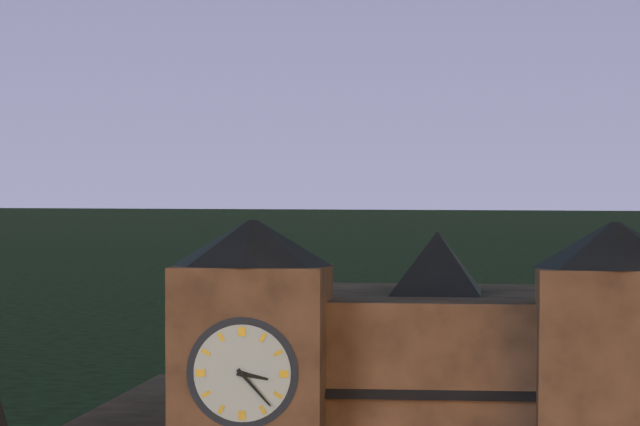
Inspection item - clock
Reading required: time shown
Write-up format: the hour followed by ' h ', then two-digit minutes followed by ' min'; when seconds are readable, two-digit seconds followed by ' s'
3 h 23 min
